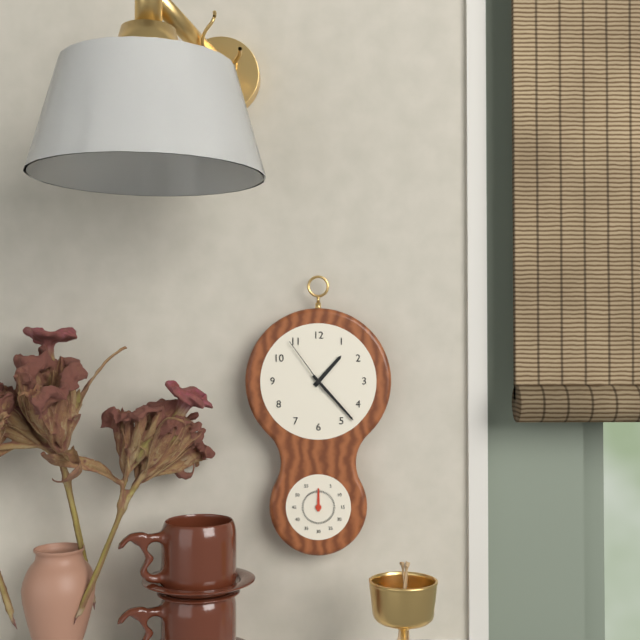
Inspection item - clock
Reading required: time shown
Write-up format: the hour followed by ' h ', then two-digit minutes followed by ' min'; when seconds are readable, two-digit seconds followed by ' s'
1 h 23 min 54 s
